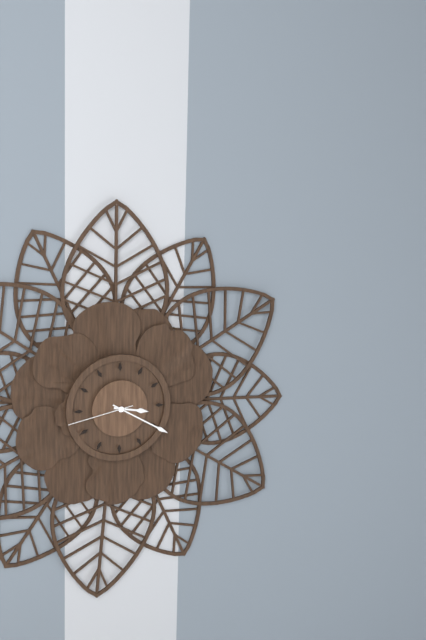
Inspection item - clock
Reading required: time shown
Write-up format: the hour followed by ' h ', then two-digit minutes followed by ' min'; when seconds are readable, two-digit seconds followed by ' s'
3 h 20 min 43 s
